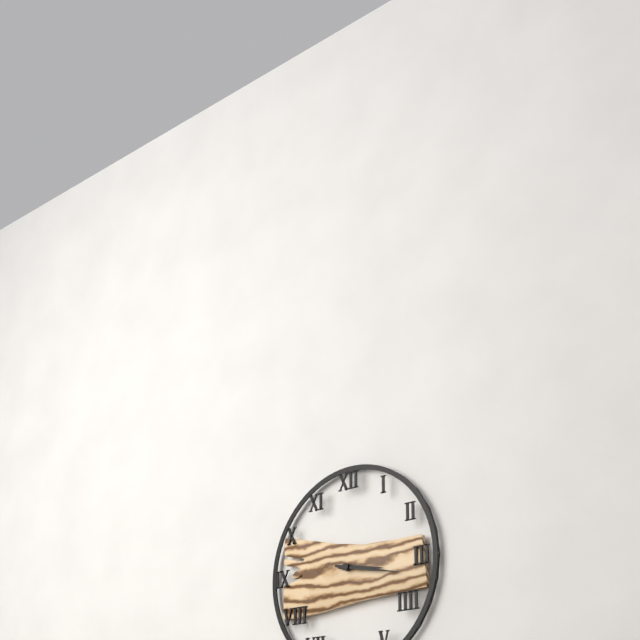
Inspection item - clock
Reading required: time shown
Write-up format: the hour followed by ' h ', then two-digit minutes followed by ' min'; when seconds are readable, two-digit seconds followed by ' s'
3 h 17 min
